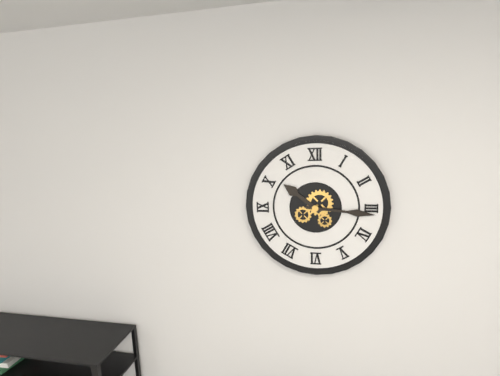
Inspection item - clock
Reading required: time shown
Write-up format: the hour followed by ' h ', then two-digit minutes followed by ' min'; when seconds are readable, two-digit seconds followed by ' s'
10 h 16 min
